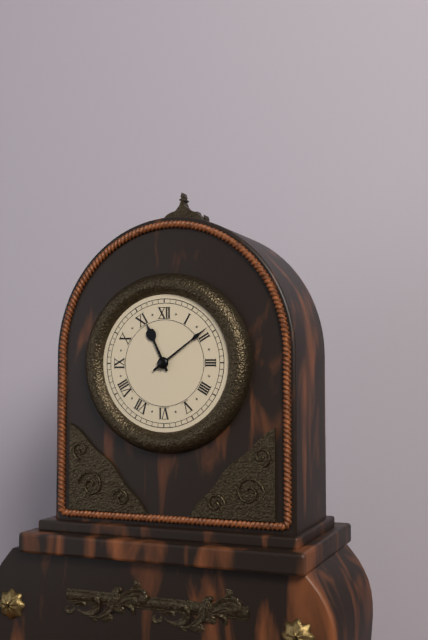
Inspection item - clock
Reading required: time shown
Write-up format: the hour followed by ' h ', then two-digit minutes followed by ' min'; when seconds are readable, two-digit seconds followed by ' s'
11 h 09 min
